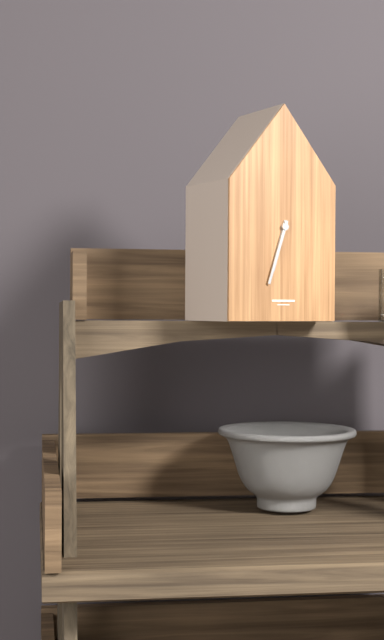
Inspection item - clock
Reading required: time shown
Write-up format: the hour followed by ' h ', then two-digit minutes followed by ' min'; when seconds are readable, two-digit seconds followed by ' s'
6 h 33 min
